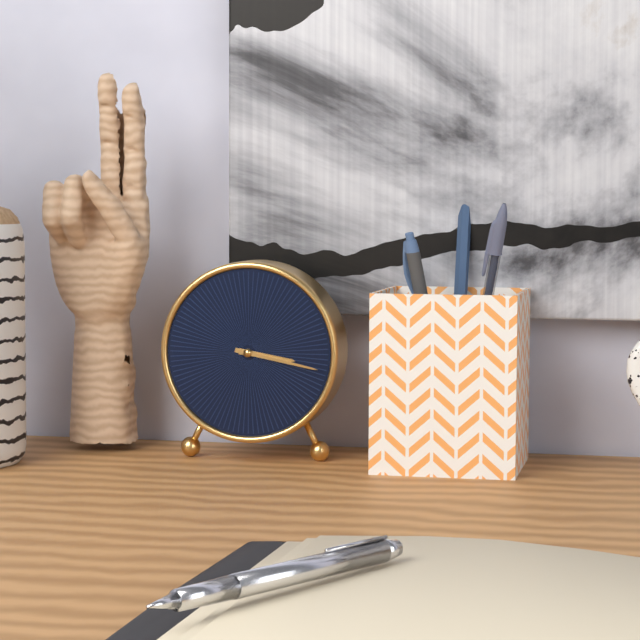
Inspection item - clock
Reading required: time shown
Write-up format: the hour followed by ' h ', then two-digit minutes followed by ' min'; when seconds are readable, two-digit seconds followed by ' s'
3 h 17 min
